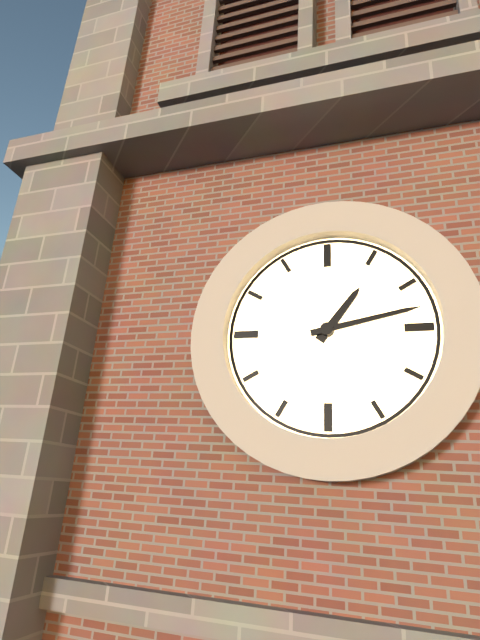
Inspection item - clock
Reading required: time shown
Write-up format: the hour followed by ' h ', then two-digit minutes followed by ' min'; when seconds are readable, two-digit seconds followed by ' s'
1 h 13 min
